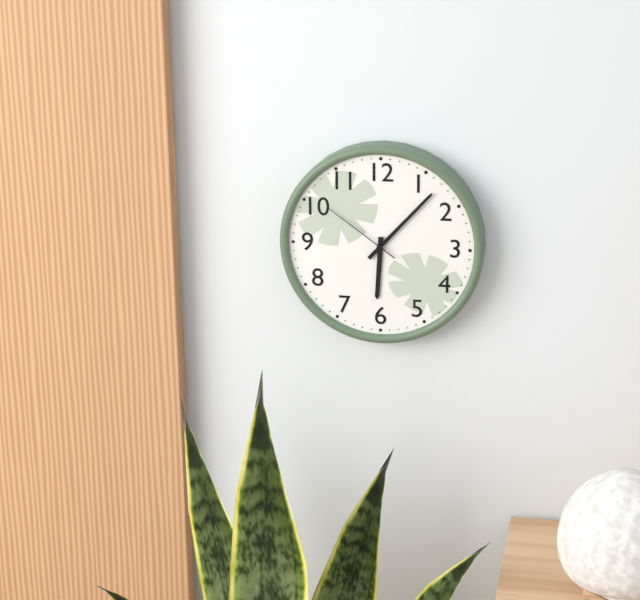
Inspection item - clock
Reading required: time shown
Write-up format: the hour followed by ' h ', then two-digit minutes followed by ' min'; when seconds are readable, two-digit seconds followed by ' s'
6 h 07 min 51 s
